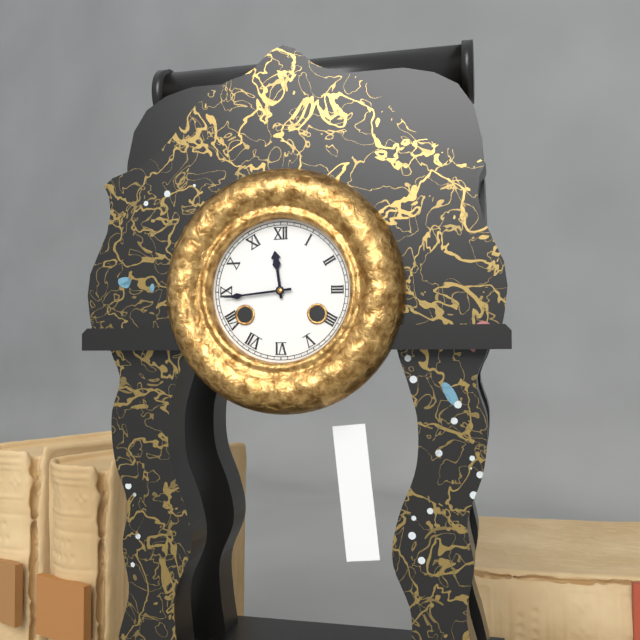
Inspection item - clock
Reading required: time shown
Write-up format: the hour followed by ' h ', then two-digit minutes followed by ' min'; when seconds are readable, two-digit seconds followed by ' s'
11 h 44 min
